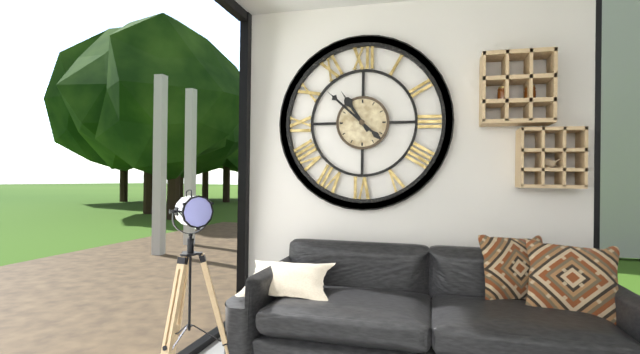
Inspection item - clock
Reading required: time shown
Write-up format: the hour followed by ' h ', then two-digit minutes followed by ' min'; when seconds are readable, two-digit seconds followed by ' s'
10 h 52 min
